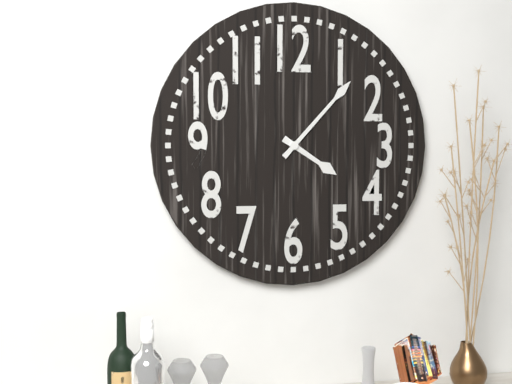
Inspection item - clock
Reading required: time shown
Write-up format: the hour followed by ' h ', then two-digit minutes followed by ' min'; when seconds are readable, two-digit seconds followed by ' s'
4 h 07 min
